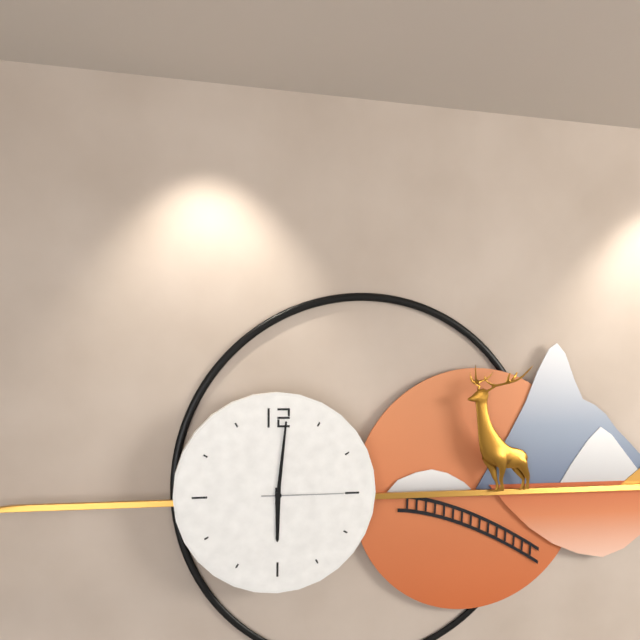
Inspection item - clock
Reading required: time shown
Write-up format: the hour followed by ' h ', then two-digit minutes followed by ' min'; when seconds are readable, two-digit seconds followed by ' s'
6 h 01 min 15 s
